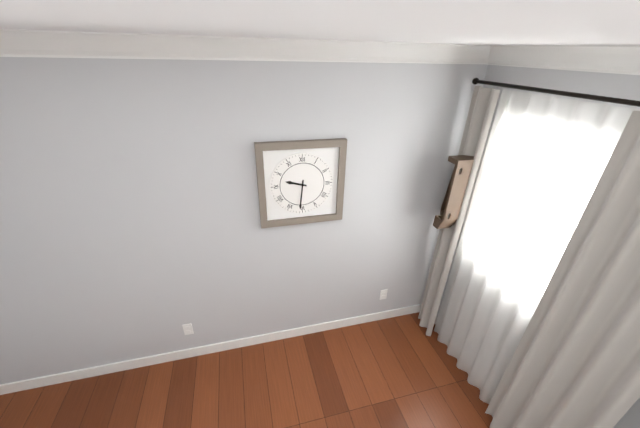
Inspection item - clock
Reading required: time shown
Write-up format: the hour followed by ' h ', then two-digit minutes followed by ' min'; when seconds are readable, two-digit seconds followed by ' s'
9 h 31 min
